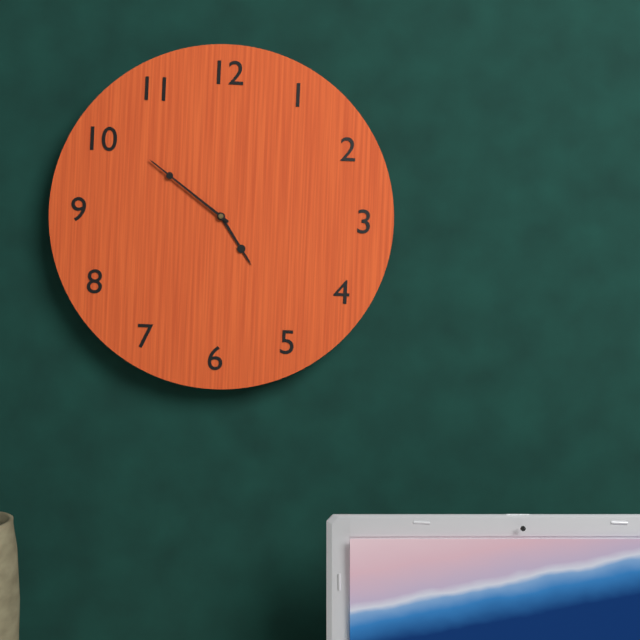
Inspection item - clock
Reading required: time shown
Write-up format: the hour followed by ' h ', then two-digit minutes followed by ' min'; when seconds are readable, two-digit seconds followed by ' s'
4 h 51 min
